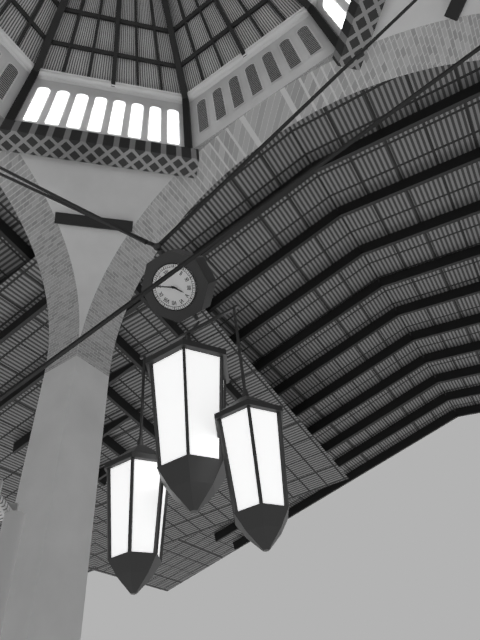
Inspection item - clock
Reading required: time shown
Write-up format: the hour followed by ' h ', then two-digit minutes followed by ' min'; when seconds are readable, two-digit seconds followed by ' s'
4 h 50 min
